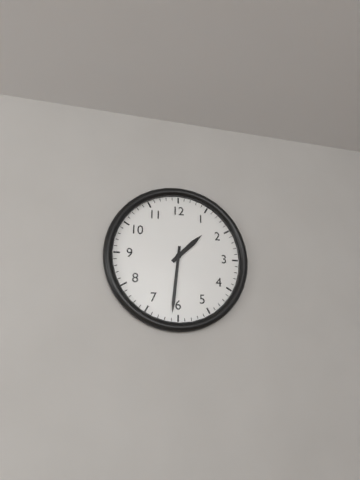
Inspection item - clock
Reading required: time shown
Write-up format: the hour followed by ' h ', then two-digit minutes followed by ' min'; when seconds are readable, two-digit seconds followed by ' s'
1 h 31 min
